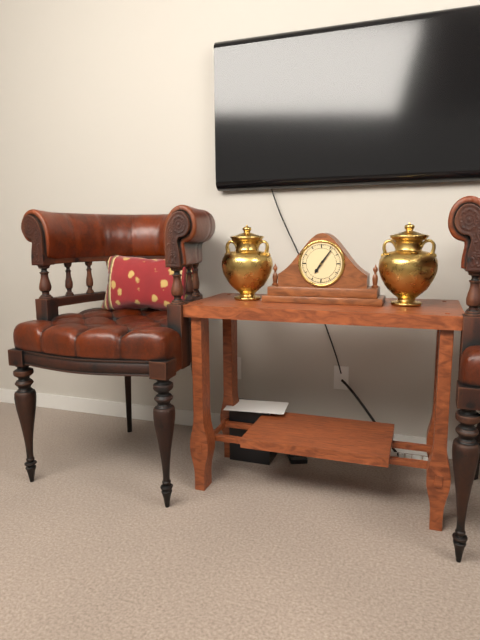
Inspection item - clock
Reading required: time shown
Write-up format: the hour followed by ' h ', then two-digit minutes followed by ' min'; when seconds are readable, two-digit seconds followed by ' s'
7 h 06 min
